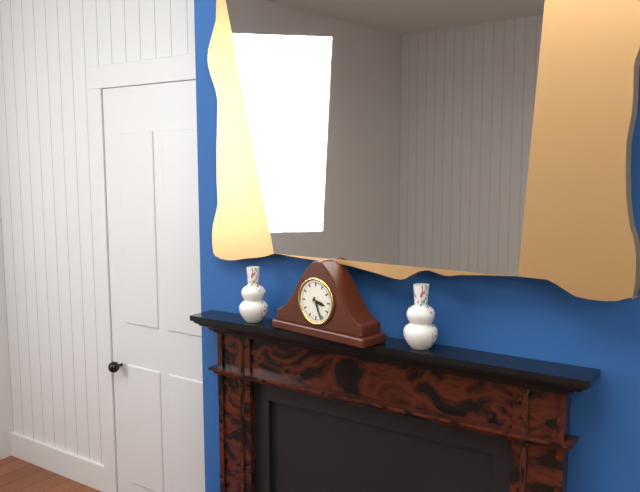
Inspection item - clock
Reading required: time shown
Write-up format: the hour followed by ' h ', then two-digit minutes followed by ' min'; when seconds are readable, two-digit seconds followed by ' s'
3 h 26 min
